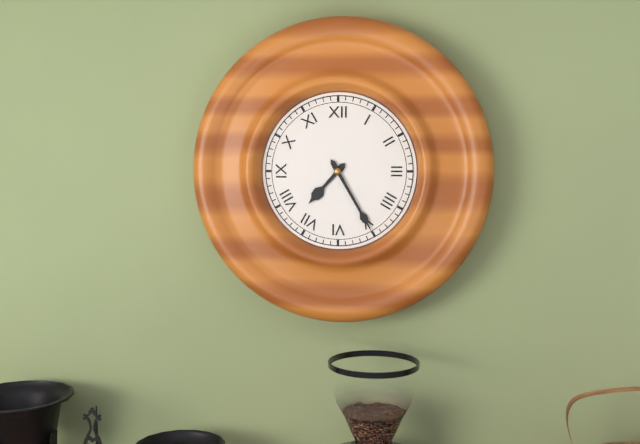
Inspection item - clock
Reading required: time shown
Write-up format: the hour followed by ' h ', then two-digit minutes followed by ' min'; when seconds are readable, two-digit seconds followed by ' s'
7 h 25 min
